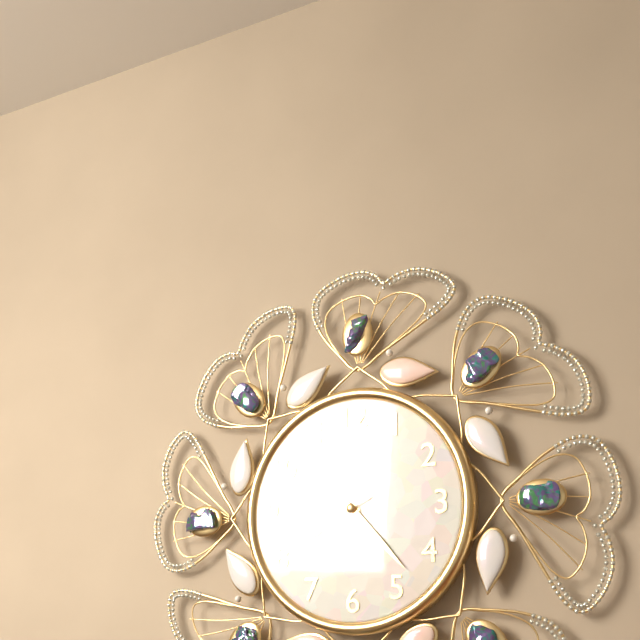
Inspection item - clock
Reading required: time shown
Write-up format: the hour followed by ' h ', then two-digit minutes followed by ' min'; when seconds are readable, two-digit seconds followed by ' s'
9 h 23 min 40 s
